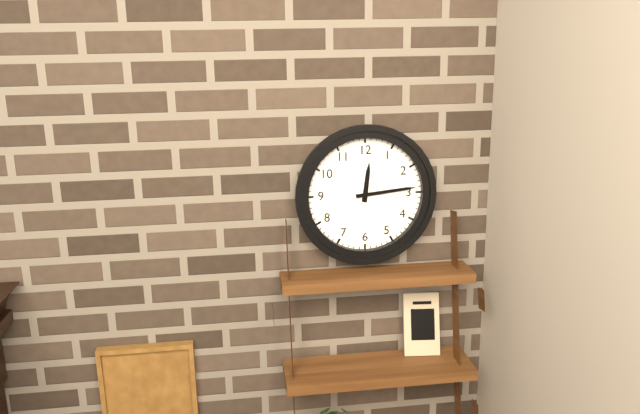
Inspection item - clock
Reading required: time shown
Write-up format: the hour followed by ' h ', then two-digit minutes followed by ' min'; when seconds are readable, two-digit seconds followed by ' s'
12 h 14 min
